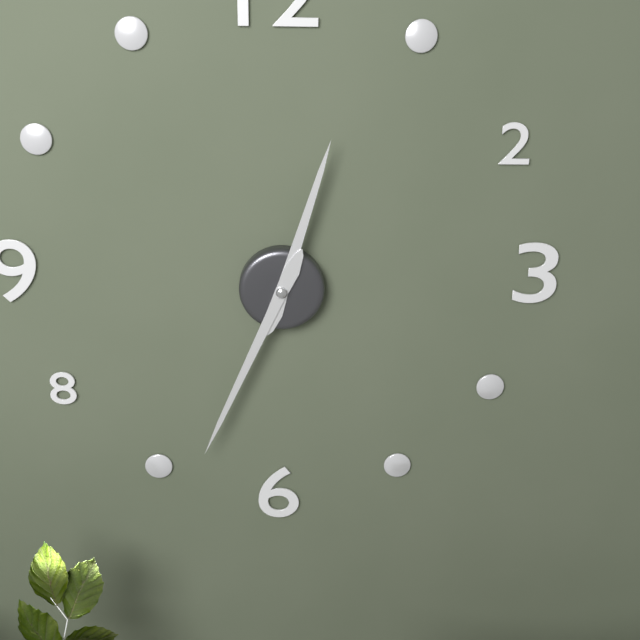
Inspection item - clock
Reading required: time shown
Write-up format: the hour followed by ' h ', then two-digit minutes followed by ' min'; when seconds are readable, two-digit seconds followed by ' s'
12 h 34 min
